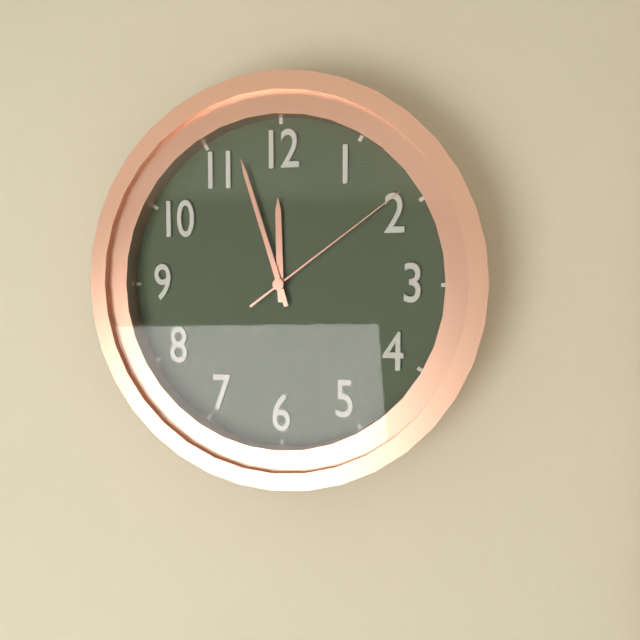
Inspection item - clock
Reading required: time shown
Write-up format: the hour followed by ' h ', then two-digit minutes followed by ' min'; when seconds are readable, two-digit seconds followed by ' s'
11 h 57 min 09 s
